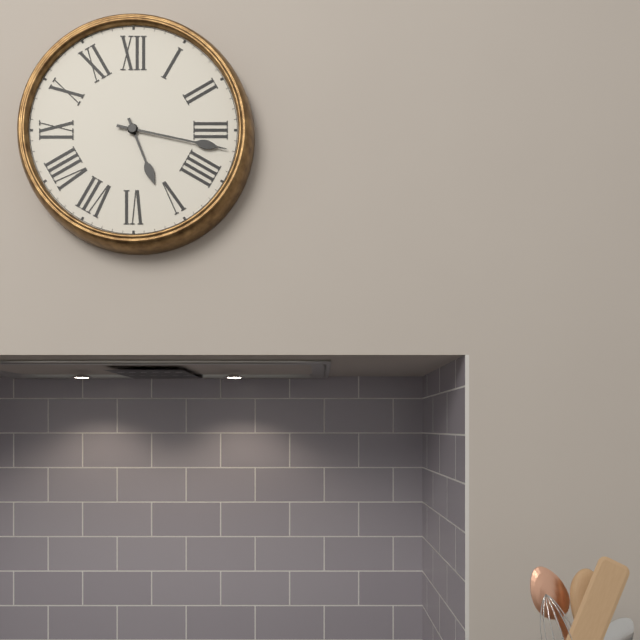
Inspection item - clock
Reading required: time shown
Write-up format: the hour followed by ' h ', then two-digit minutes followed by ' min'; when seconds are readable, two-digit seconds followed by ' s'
5 h 17 min
